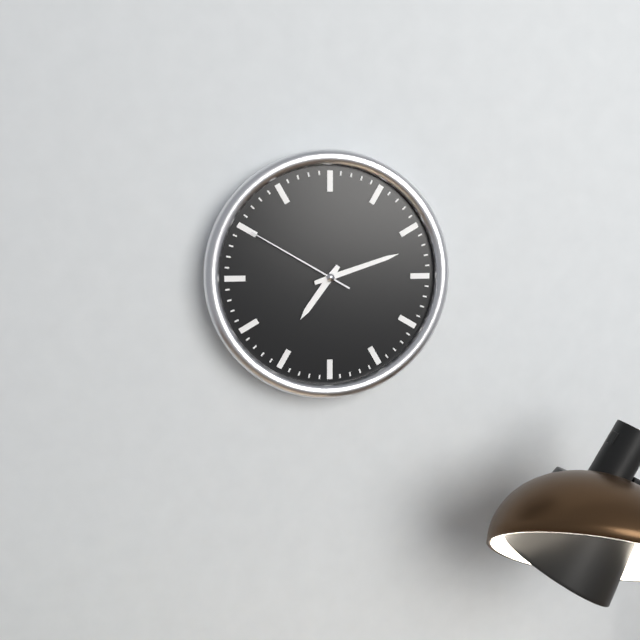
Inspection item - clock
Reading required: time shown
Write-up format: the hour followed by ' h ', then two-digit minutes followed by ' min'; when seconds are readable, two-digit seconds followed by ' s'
7 h 12 min 50 s
